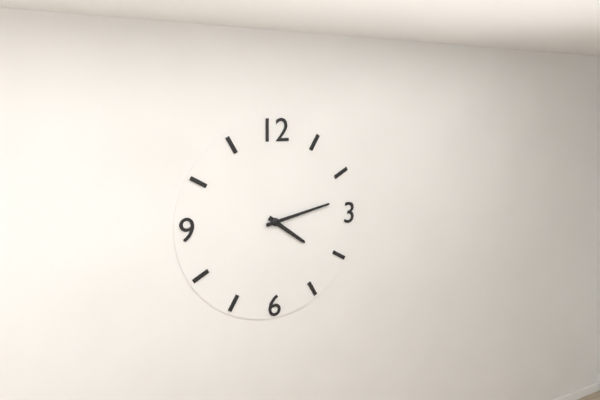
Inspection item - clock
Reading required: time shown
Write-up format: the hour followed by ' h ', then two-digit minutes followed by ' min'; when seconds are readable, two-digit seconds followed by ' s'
4 h 13 min
